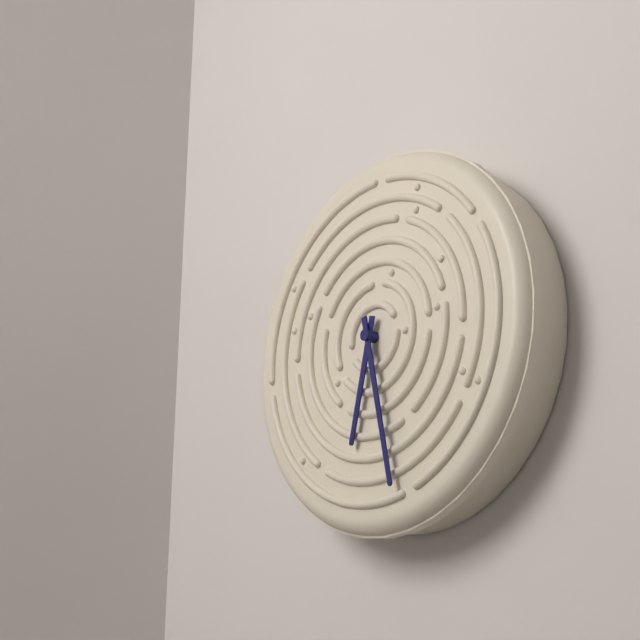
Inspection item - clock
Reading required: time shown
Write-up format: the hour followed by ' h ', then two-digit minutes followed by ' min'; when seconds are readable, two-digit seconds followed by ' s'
6 h 28 min
